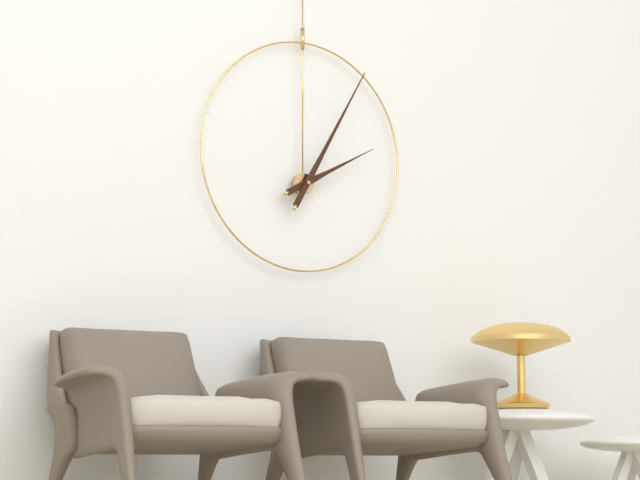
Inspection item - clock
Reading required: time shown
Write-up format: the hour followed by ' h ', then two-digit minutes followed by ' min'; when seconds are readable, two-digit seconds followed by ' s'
2 h 05 min
